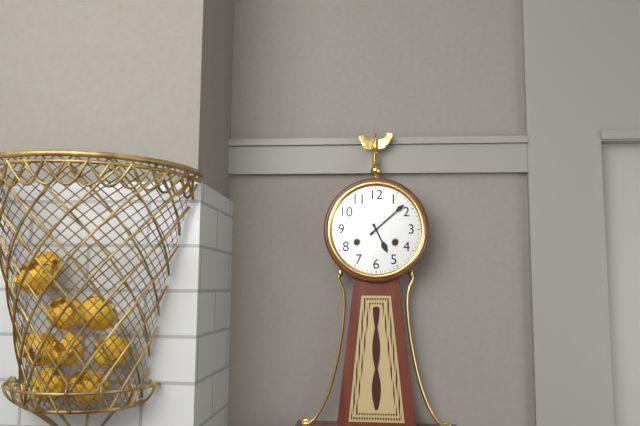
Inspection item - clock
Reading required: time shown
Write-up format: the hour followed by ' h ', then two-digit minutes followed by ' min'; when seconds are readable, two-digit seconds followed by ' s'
5 h 08 min
